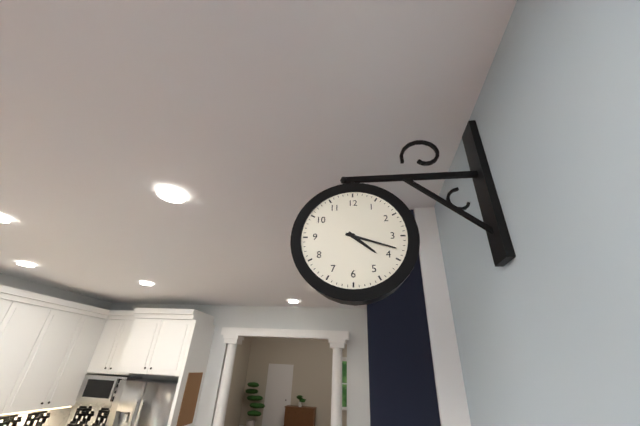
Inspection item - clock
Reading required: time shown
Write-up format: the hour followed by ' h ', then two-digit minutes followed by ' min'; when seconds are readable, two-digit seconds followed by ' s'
4 h 18 min
